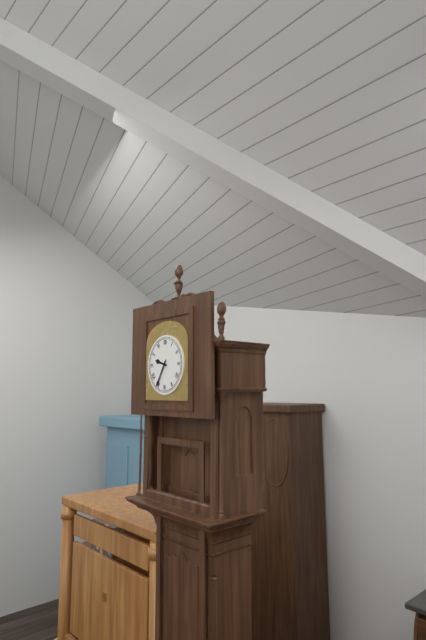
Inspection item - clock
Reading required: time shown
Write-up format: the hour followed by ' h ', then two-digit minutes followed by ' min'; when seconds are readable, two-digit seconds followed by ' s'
9 h 35 min
